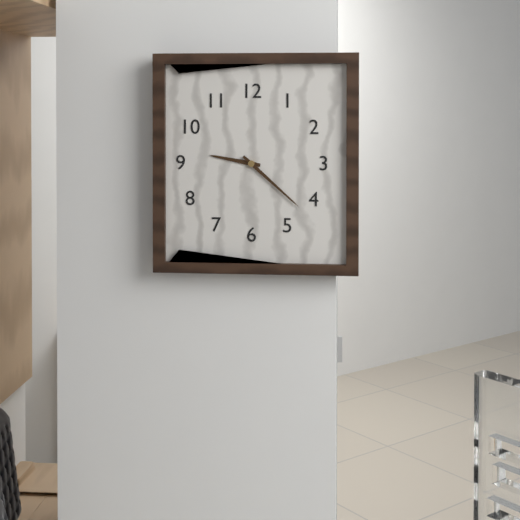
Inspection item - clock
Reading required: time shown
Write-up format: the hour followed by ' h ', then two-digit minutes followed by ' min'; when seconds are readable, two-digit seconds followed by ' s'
9 h 22 min
